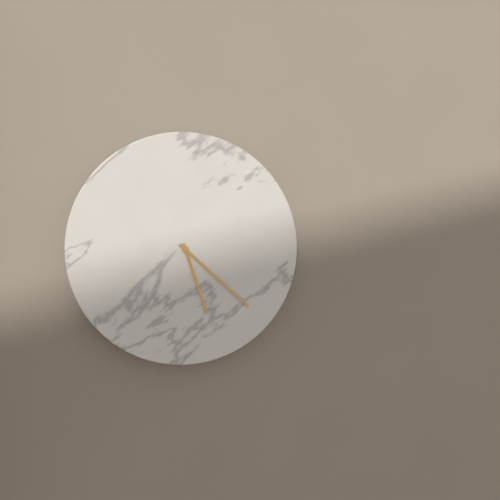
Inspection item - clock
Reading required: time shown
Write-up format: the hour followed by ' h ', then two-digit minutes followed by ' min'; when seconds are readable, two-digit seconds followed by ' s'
5 h 22 min
